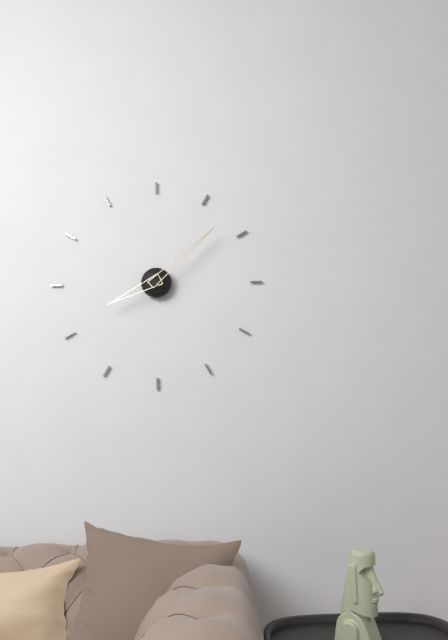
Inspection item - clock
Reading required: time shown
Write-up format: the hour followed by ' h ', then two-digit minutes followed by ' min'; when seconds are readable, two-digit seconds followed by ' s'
8 h 08 min
